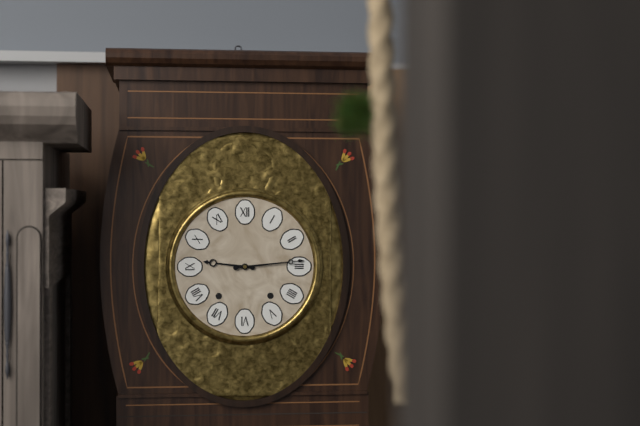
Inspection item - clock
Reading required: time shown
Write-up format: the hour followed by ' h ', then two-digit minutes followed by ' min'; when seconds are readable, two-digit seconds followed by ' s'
9 h 14 min
